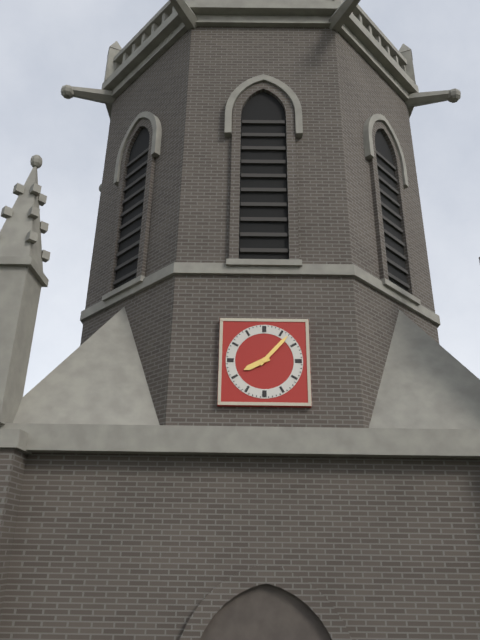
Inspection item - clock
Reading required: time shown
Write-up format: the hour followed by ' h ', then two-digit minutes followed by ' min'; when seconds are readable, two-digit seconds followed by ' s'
8 h 07 min
